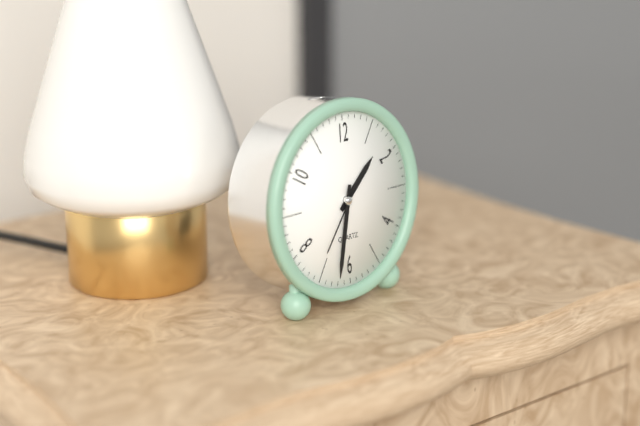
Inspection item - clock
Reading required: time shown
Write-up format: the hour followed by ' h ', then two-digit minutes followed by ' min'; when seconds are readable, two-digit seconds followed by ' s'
1 h 32 min 36 s
